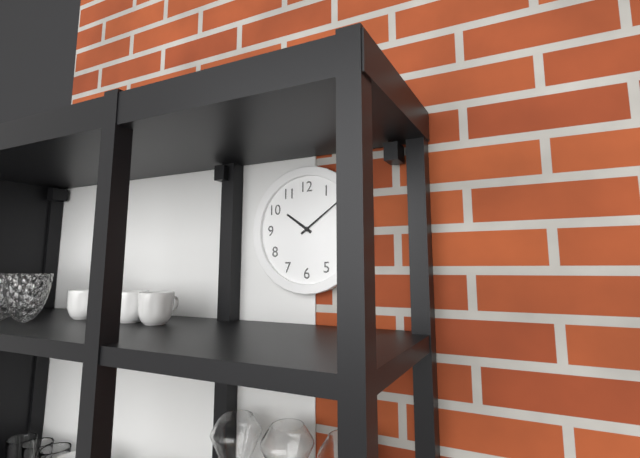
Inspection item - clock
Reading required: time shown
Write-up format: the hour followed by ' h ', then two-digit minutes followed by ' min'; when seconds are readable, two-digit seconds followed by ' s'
10 h 09 min
